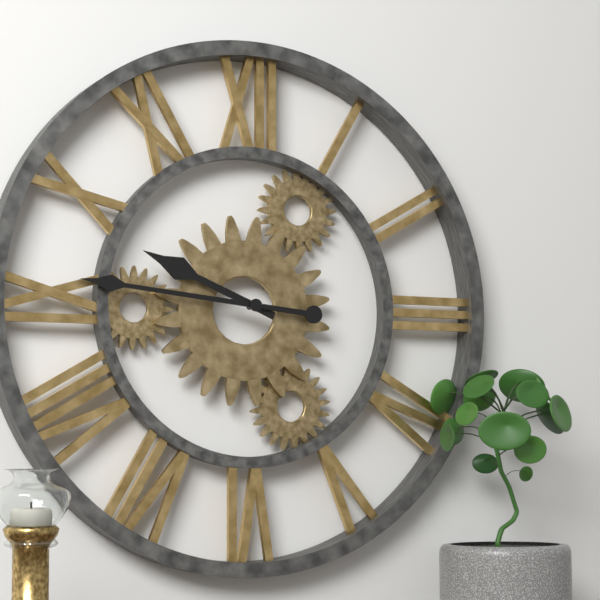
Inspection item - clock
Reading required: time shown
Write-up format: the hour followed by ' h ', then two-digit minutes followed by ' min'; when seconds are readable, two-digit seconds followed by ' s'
9 h 46 min
